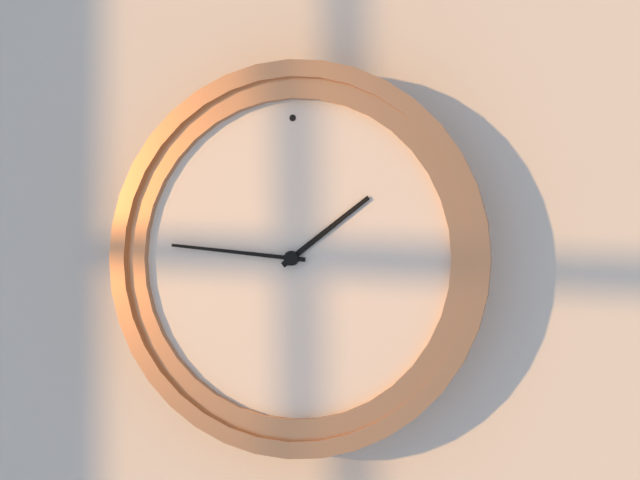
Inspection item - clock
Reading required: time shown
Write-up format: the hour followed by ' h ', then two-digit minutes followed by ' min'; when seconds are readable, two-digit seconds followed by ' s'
1 h 46 min
